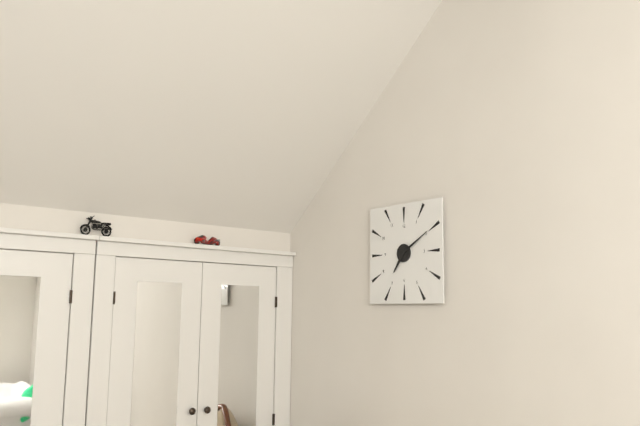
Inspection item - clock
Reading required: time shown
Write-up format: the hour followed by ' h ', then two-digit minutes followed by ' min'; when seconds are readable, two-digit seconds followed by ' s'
7 h 10 min
